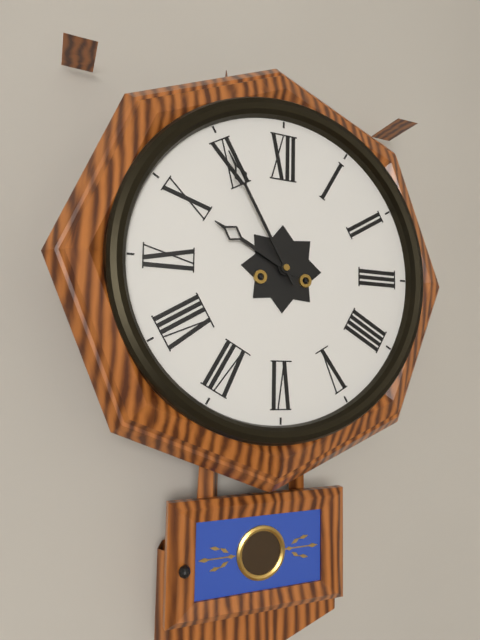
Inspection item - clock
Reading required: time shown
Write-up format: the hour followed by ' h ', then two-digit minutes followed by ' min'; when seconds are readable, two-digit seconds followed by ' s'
9 h 55 min
